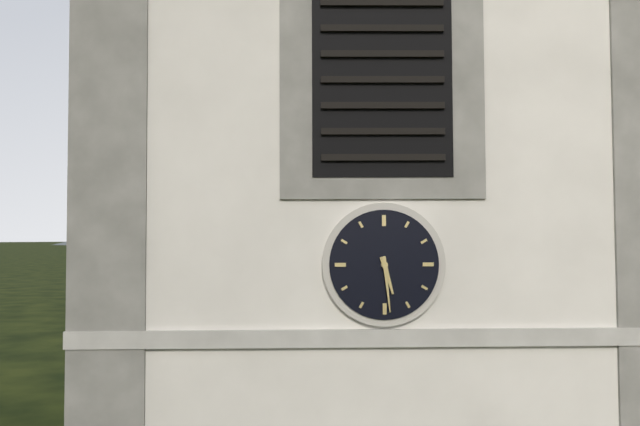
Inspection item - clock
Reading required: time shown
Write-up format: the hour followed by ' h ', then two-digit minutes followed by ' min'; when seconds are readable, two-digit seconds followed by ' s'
5 h 29 min
